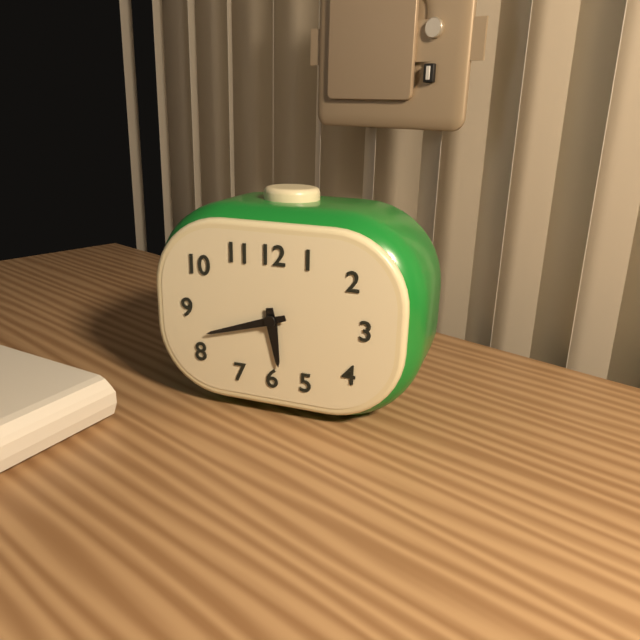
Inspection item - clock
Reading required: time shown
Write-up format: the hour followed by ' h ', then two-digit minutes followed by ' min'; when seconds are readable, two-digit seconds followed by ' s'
5 h 42 min
